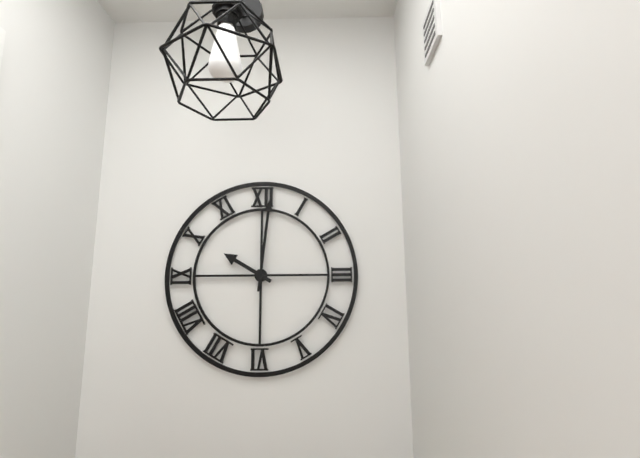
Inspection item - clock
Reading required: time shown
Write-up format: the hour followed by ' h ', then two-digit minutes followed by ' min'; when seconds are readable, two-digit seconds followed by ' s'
10 h 01 min
